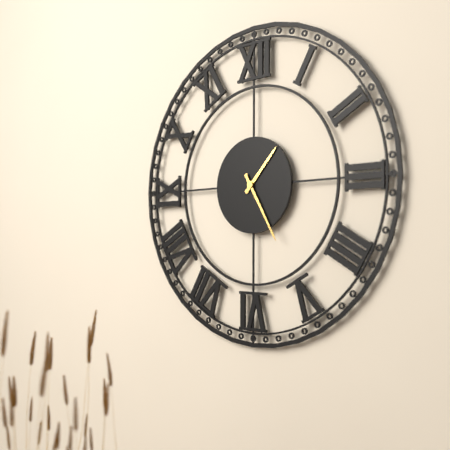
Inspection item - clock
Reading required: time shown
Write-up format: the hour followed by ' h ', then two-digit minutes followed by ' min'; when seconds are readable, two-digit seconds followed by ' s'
1 h 25 min
